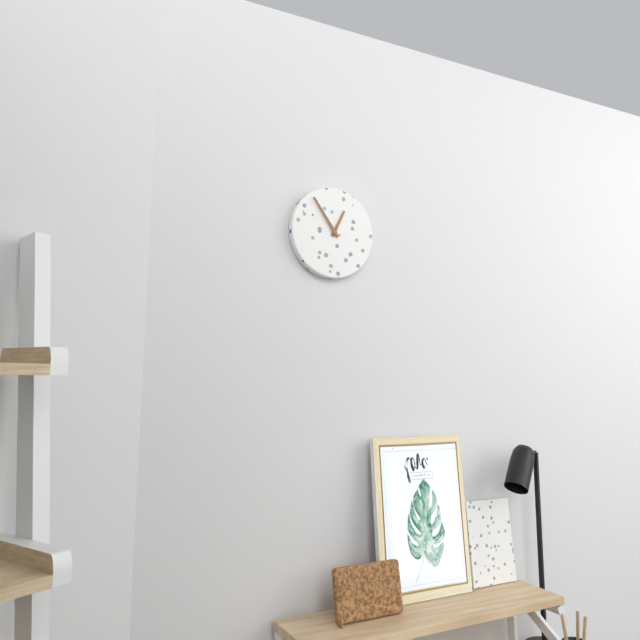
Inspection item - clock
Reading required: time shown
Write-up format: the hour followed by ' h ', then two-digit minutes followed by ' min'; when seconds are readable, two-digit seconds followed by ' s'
12 h 54 min
